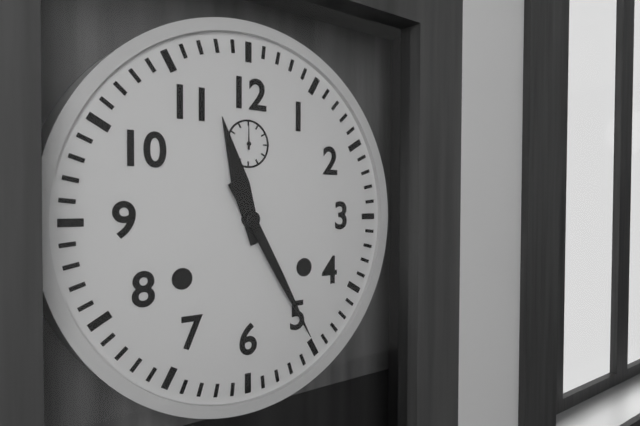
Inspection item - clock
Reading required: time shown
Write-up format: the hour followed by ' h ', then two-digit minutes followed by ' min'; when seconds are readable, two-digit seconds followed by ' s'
11 h 25 min
